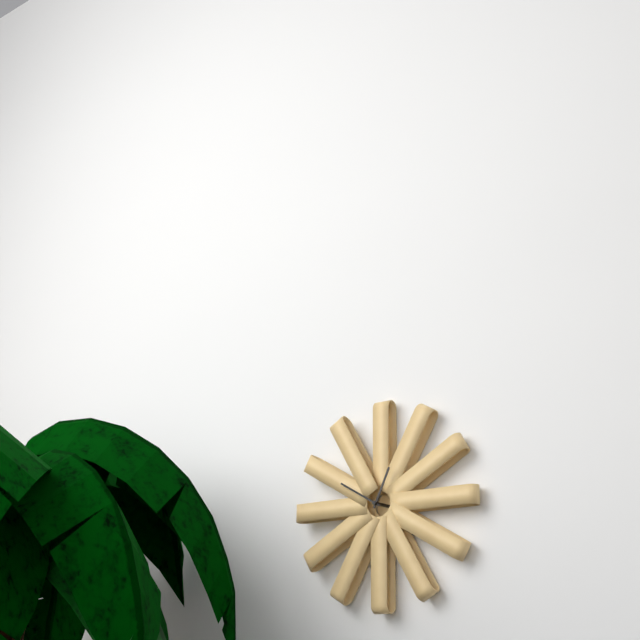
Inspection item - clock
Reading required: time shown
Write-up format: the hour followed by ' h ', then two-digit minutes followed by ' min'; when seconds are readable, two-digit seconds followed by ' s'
12 h 50 min
